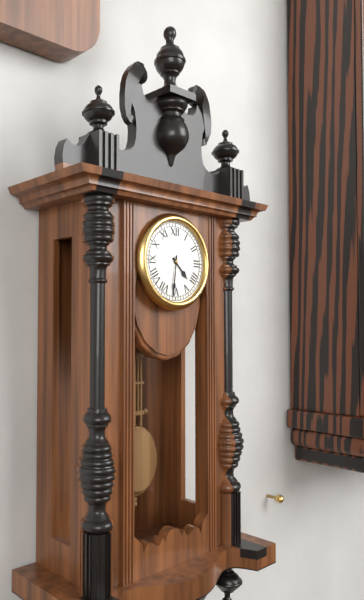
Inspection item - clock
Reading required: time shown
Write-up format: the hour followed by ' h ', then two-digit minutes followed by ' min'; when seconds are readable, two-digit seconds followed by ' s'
4 h 31 min
